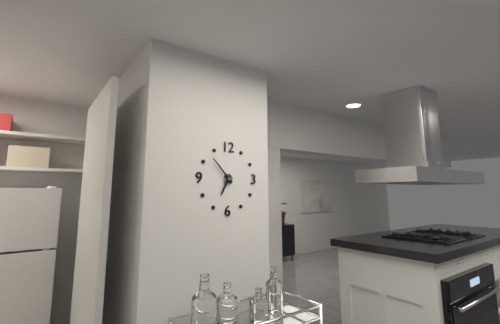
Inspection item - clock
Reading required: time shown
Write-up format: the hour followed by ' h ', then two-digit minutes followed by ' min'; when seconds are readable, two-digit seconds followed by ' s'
6 h 53 min
